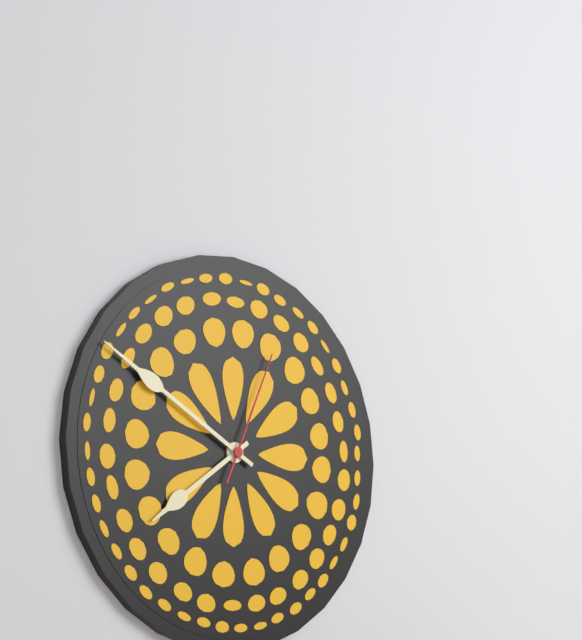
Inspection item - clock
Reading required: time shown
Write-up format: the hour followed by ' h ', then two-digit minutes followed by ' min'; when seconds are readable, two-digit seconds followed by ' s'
7 h 50 min 04 s
